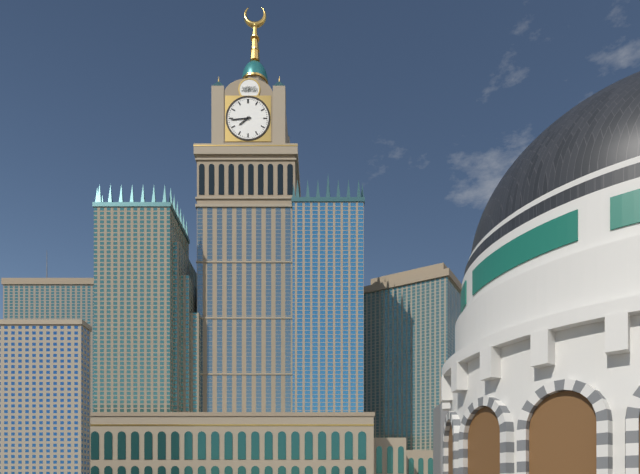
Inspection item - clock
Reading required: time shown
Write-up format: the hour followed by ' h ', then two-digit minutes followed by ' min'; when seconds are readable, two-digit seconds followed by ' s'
7 h 44 min
